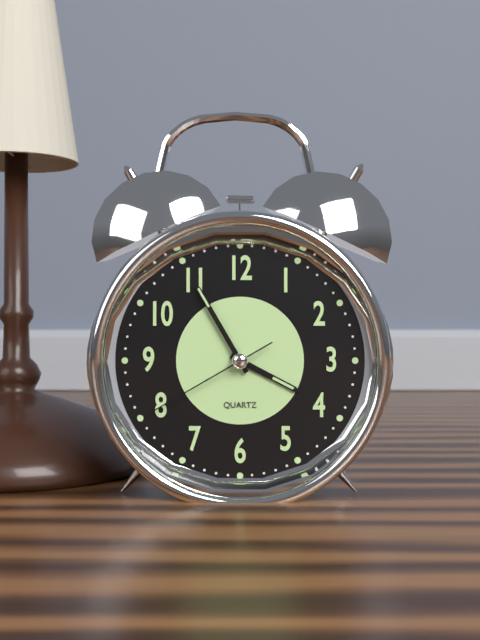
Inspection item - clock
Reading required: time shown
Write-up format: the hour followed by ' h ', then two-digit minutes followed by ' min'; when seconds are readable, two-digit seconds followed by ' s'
3 h 55 min 40 s
